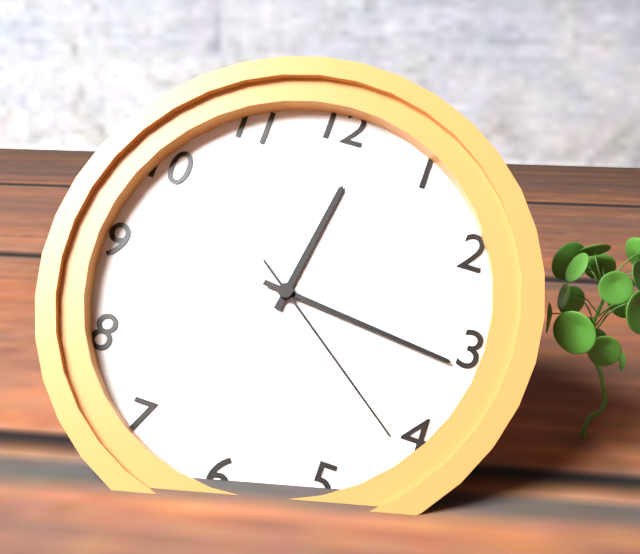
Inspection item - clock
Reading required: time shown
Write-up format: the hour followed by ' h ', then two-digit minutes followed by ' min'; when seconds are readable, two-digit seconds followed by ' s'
12 h 16 min 21 s
